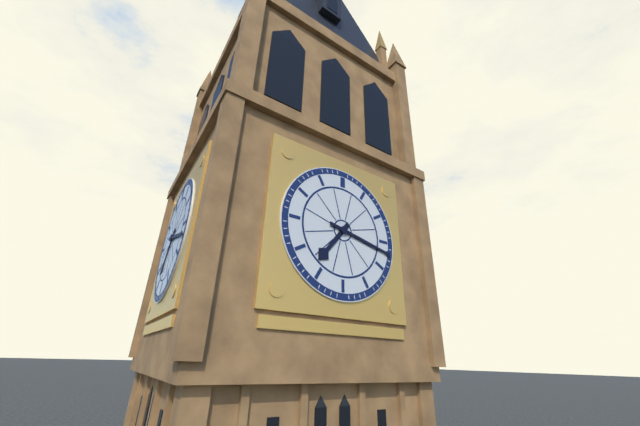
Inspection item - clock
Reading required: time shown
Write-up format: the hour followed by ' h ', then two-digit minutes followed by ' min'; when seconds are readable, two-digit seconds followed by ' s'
7 h 17 min
